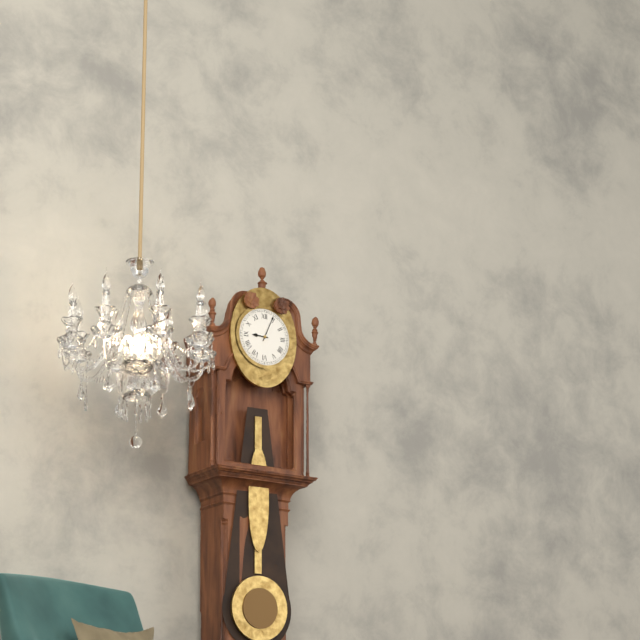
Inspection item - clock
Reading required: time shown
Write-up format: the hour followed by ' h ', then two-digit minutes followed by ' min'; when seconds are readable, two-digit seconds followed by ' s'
9 h 04 min
